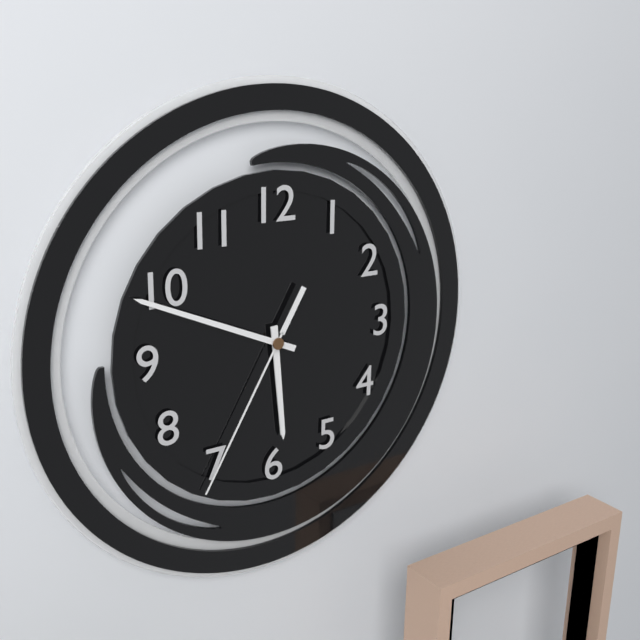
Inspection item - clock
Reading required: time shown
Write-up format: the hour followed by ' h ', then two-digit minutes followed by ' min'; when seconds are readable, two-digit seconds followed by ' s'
5 h 49 min 35 s
